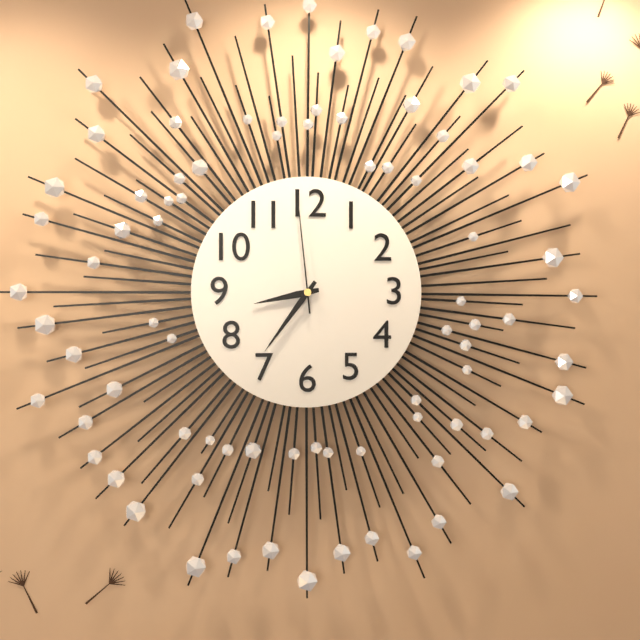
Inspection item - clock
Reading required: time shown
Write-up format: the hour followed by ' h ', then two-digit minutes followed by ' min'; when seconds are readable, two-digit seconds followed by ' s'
8 h 36 min 59 s
